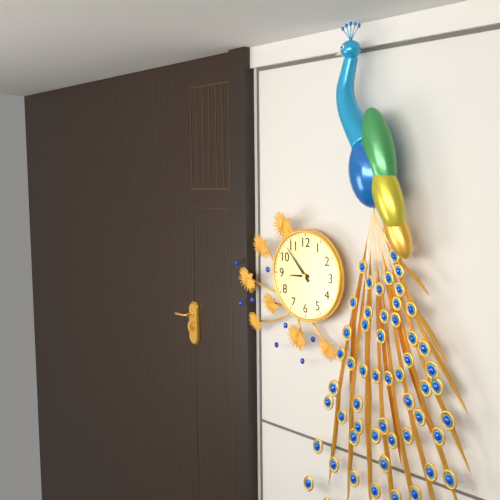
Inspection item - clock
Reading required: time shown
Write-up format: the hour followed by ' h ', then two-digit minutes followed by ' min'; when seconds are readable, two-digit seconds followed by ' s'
8 h 53 min
